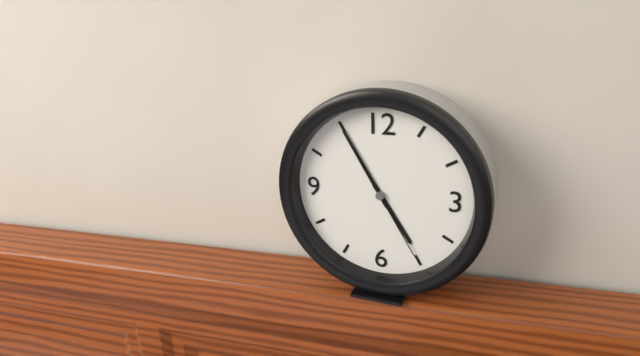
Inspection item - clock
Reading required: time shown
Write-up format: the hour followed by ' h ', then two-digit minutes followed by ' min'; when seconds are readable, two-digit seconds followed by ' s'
4 h 55 min 25 s
